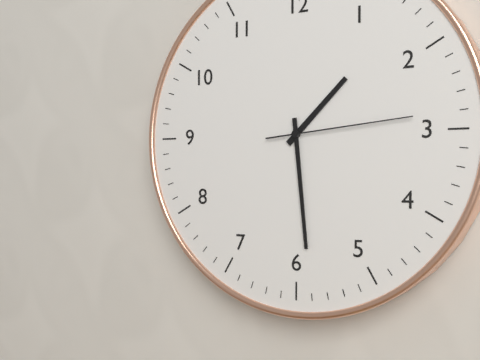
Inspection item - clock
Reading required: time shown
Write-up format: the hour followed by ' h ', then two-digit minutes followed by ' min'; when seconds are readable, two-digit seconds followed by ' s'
1 h 29 min 14 s
